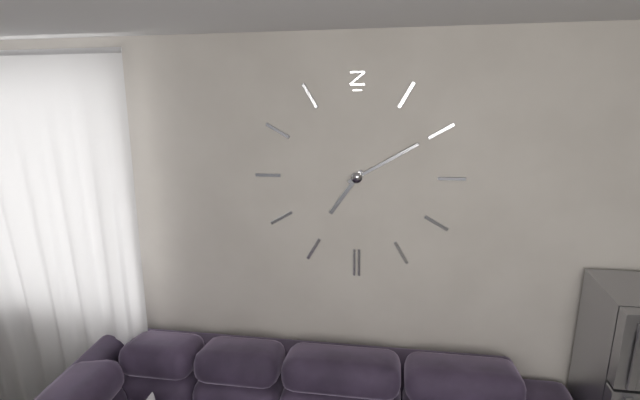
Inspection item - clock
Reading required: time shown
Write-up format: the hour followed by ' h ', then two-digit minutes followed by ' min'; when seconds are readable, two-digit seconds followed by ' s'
7 h 10 min
